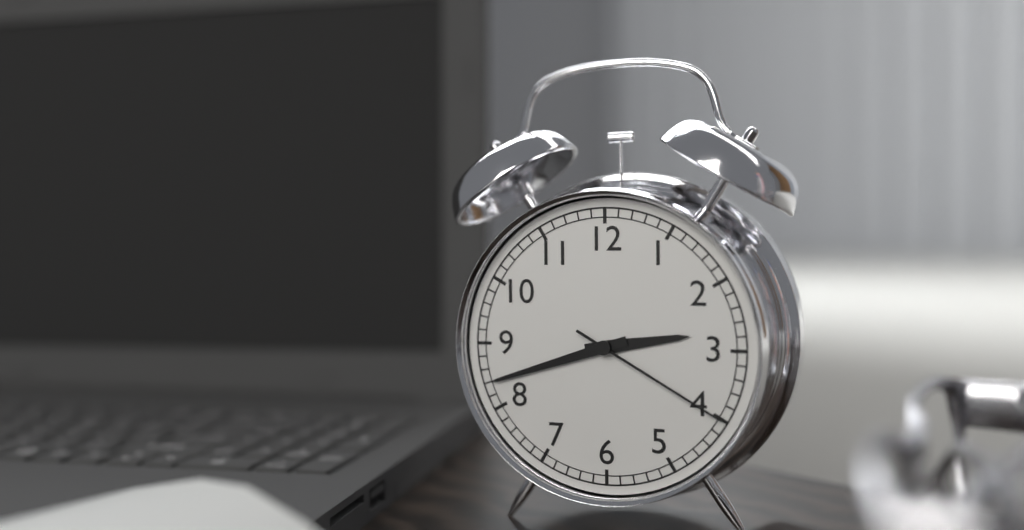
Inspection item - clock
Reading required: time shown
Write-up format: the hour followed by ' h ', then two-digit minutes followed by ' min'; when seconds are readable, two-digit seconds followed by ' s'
2 h 42 min 20 s
